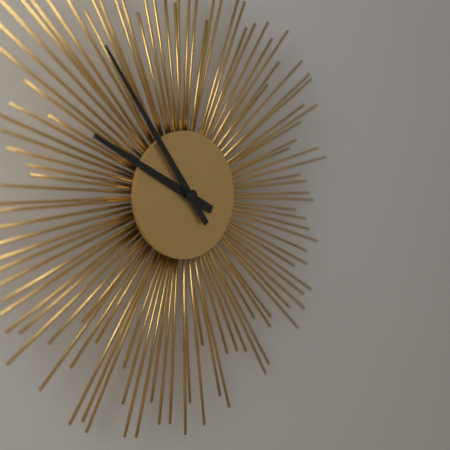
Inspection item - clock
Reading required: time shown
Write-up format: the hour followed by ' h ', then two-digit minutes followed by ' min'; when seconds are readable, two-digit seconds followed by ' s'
9 h 54 min
